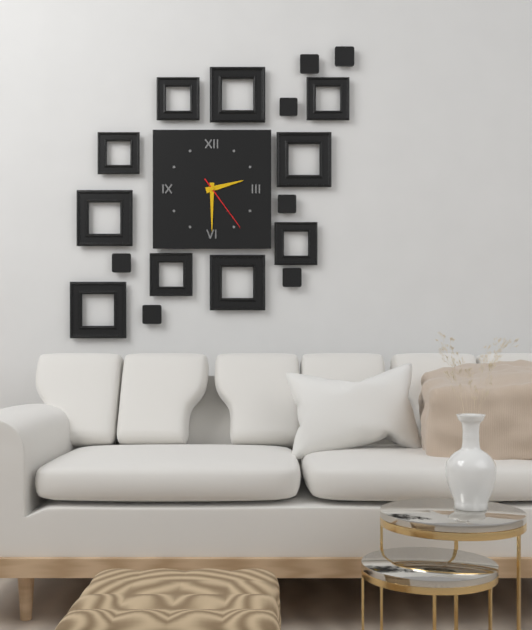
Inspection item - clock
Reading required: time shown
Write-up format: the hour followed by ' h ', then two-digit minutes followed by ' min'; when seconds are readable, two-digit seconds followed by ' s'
2 h 30 min 24 s
